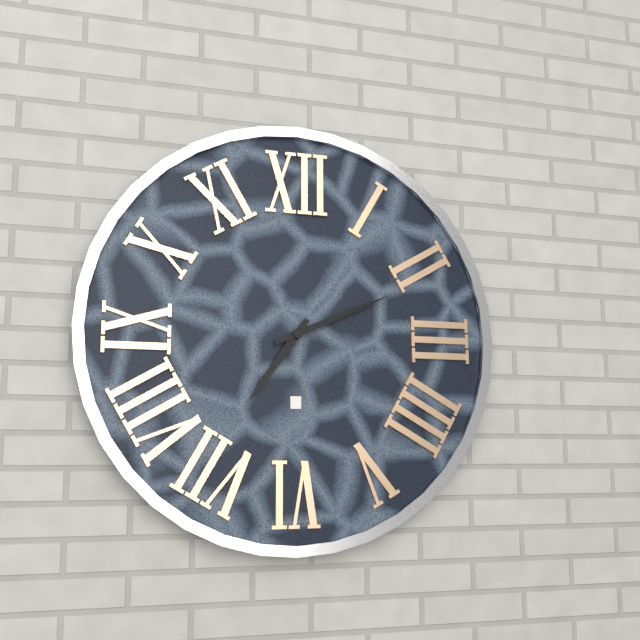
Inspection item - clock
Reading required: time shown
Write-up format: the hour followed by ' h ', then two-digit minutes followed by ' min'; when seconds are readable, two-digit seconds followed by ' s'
7 h 11 min
